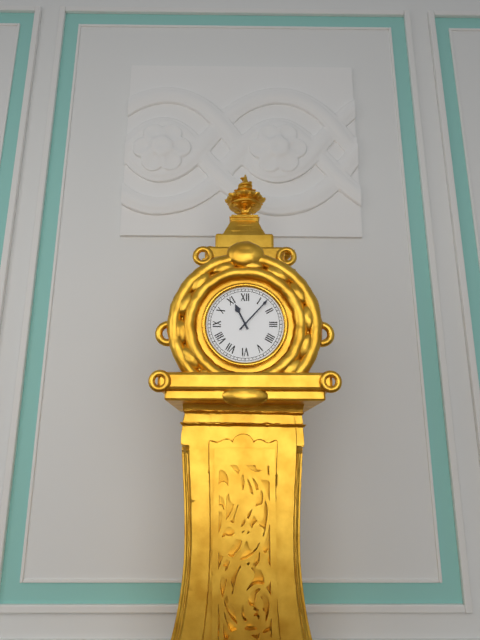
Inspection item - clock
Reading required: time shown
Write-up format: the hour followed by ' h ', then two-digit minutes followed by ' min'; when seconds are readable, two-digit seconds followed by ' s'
11 h 07 min
